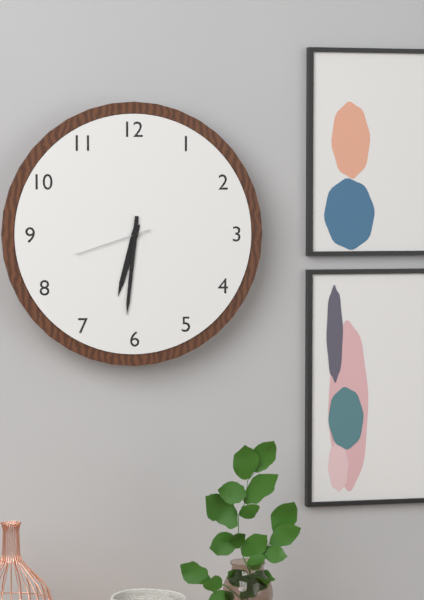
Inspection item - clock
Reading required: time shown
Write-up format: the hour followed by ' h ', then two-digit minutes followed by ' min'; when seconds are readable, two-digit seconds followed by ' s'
6 h 31 min 42 s
